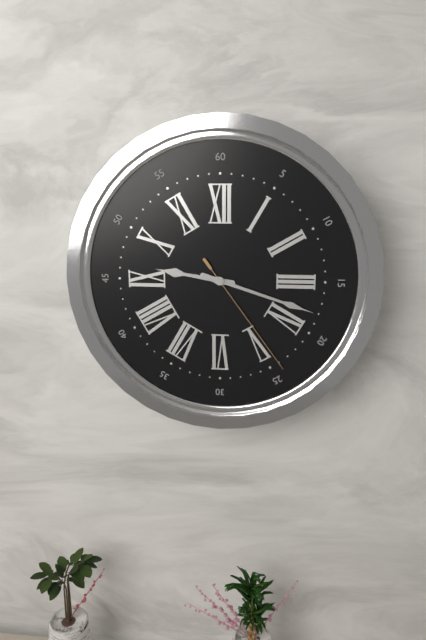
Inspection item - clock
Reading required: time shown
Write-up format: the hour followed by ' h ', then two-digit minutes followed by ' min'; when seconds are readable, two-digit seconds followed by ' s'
9 h 18 min 24 s
